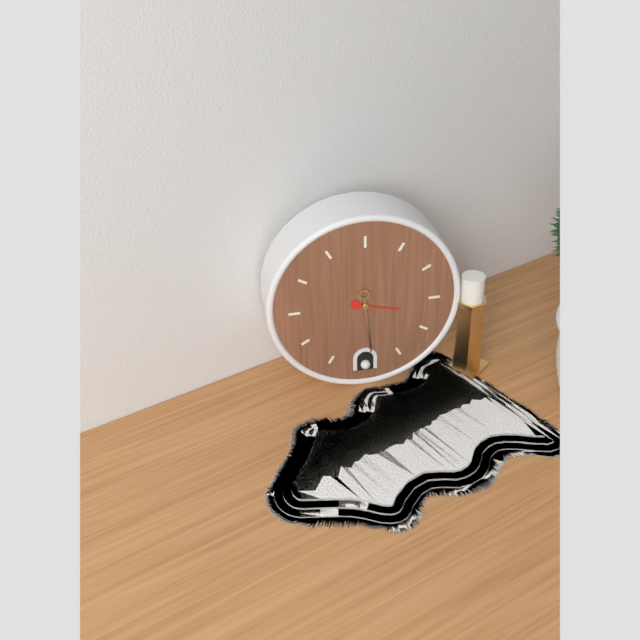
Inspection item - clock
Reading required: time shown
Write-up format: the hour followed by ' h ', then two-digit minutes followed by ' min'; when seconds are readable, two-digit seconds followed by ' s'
3 h 29 min
